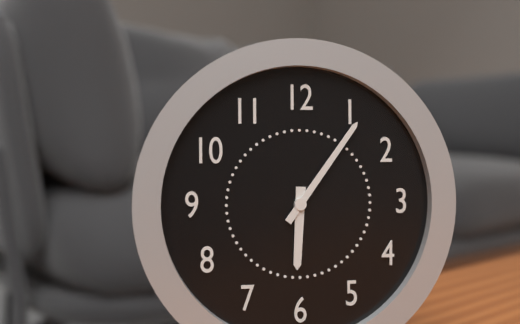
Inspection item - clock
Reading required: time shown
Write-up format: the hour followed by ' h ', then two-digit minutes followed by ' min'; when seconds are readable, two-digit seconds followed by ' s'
6 h 06 min
